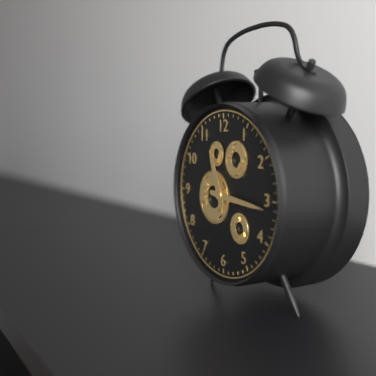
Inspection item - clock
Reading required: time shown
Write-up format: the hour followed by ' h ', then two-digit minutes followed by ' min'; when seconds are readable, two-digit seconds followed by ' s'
11 h 16 min
